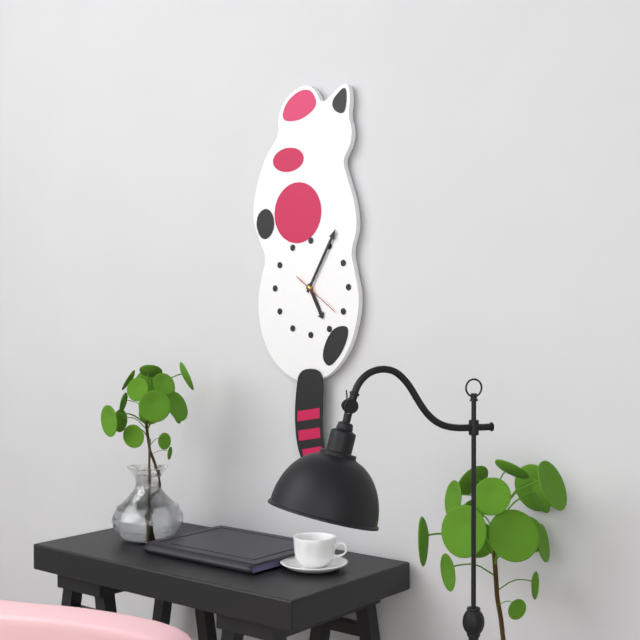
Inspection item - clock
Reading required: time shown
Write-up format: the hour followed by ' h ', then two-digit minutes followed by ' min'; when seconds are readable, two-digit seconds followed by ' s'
5 h 05 min
